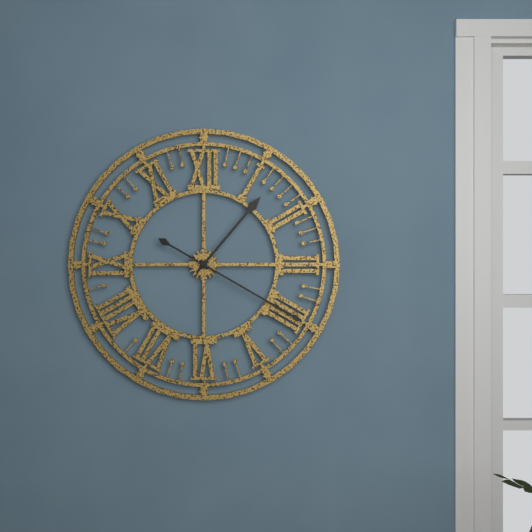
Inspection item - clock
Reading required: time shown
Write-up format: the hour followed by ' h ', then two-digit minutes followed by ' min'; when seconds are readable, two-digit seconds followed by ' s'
1 h 20 min
